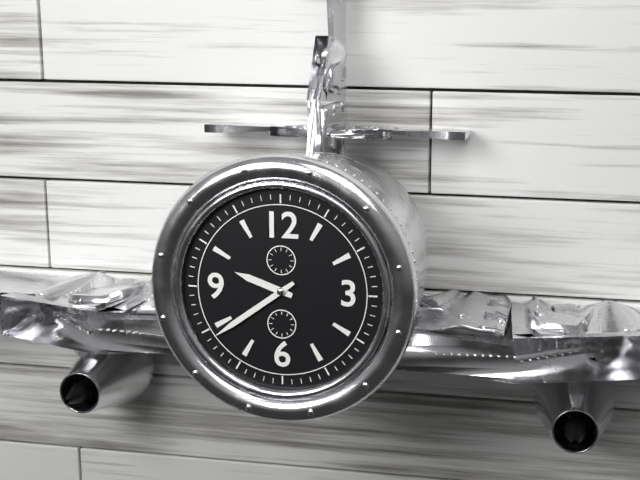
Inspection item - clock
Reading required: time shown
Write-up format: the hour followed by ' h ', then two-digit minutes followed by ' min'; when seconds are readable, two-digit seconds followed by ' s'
9 h 39 min
